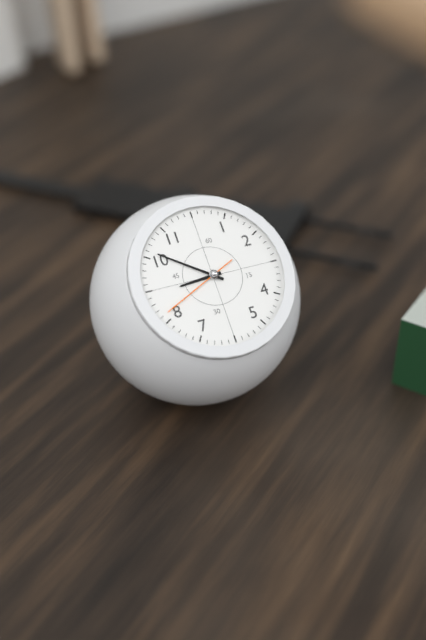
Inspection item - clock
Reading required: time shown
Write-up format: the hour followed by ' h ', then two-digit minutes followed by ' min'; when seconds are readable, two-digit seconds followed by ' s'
8 h 51 min 41 s
